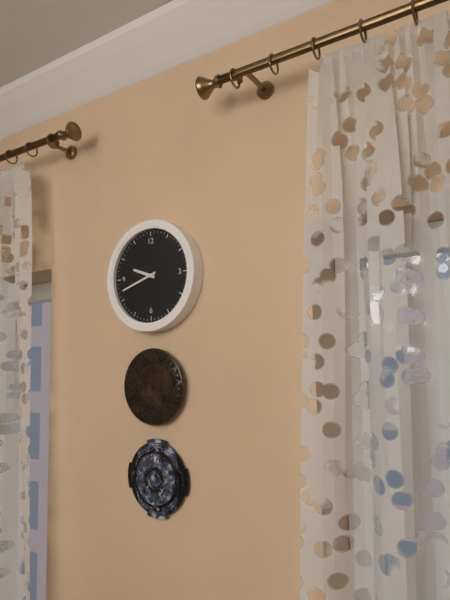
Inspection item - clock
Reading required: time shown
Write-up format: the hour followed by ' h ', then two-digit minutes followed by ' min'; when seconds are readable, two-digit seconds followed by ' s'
9 h 42 min
